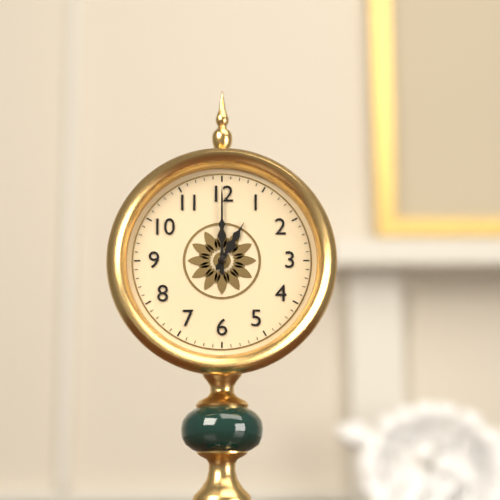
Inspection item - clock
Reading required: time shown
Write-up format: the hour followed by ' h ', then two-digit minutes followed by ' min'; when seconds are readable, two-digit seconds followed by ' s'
1 h 00 min
